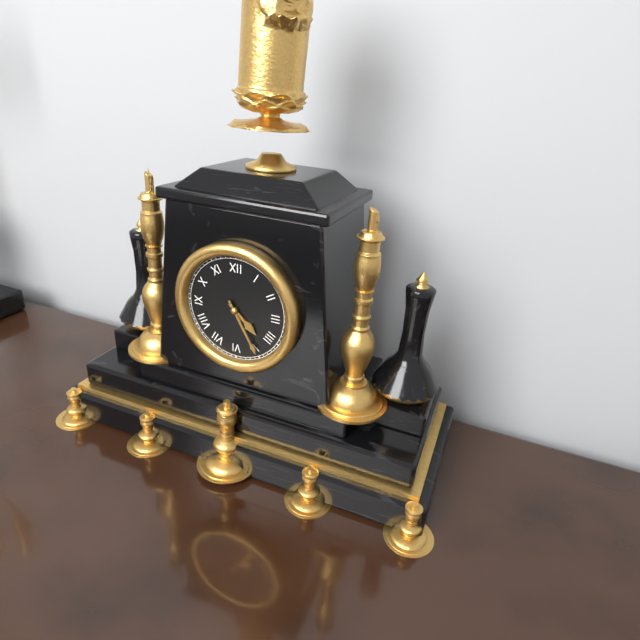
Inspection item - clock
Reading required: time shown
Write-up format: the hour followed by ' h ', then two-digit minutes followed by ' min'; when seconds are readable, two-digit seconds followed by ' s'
4 h 25 min
